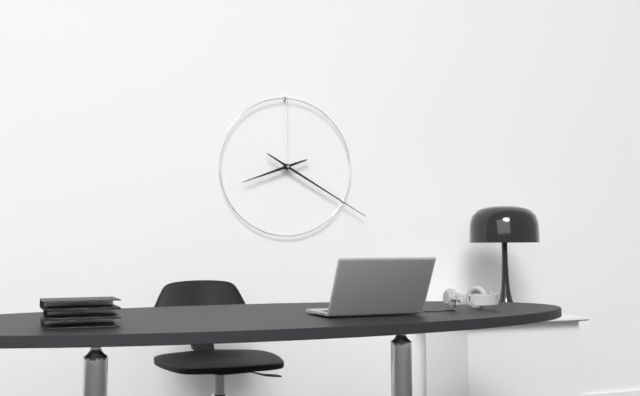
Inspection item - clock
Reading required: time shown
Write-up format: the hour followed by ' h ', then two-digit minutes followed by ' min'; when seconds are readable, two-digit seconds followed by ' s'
8 h 20 min
